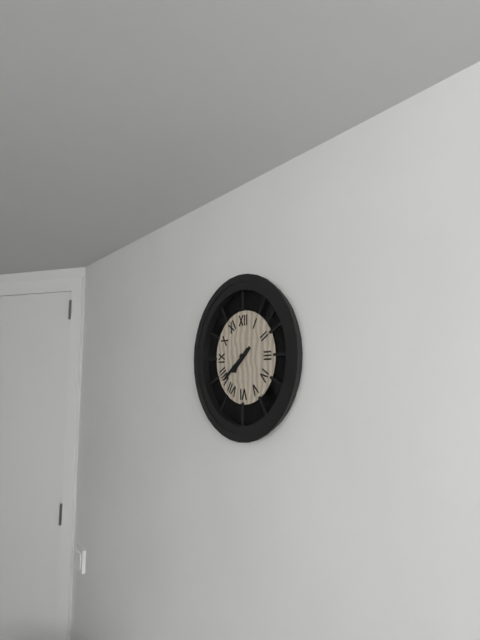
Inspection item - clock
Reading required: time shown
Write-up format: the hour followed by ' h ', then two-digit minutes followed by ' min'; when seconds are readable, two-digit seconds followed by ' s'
7 h 39 min
